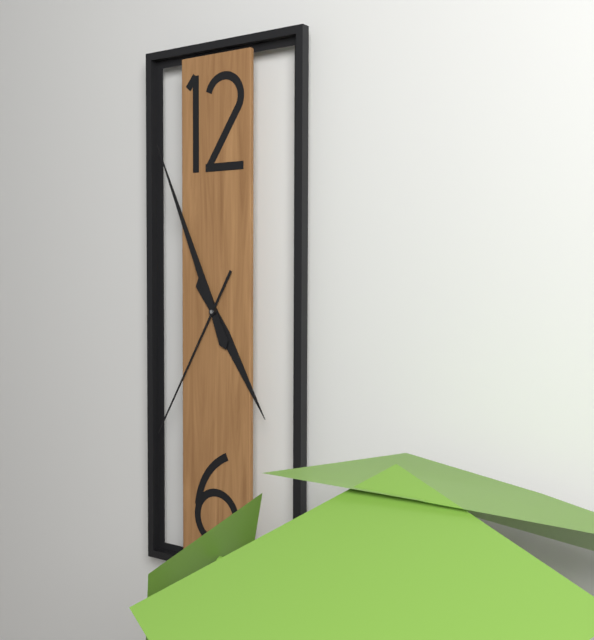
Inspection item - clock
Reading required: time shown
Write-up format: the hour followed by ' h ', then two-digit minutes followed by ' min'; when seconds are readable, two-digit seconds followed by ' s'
4 h 56 min 35 s
